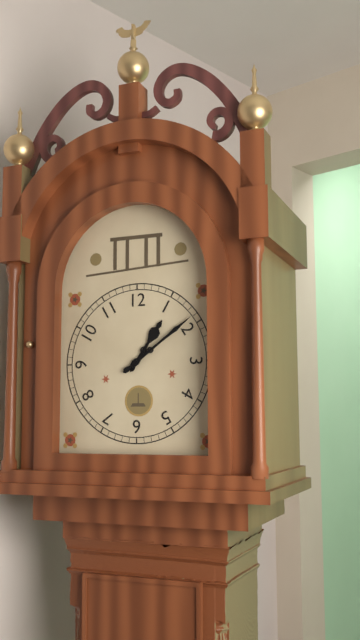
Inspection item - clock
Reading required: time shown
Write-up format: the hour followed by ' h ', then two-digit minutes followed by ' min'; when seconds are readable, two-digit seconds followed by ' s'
1 h 09 min
